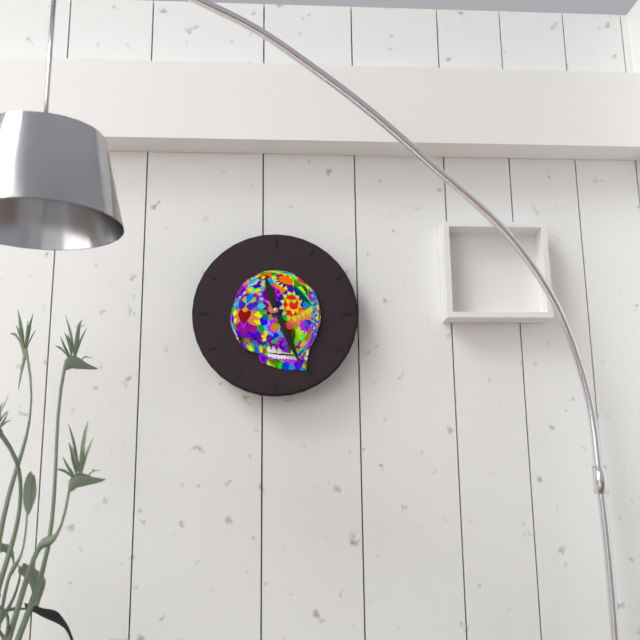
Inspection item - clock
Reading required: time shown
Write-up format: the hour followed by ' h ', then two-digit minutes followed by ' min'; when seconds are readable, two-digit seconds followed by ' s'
11 h 26 min
